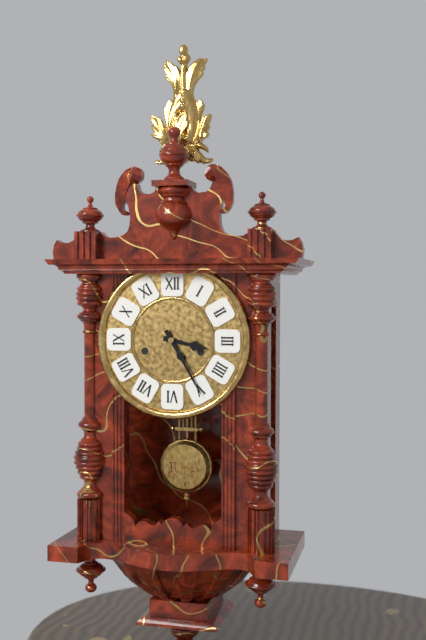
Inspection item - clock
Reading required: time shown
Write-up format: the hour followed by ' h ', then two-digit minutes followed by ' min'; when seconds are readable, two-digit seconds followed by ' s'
3 h 25 min
